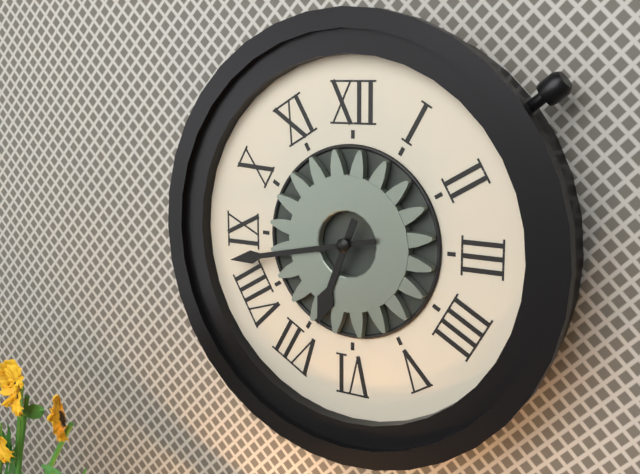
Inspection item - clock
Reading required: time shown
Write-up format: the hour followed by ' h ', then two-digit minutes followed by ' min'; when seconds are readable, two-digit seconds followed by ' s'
6 h 43 min
